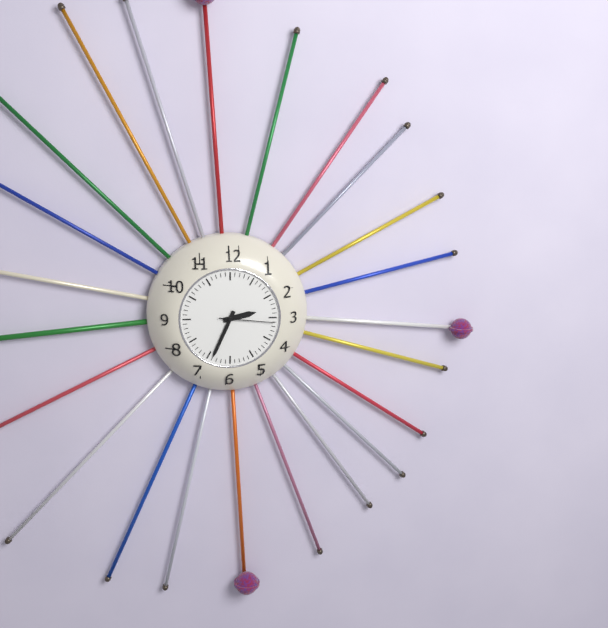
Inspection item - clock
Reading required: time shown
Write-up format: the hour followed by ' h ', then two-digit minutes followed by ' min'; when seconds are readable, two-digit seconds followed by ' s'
2 h 34 min 16 s
